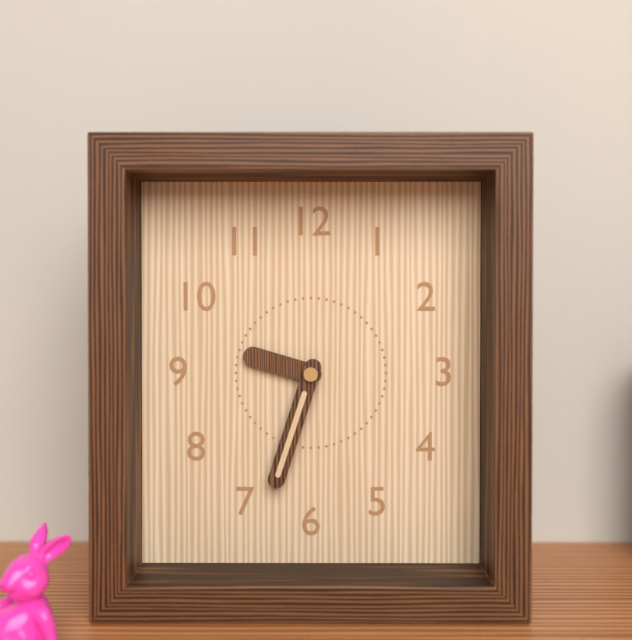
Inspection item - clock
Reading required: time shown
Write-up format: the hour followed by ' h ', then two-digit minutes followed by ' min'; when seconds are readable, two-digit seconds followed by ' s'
9 h 33 min
